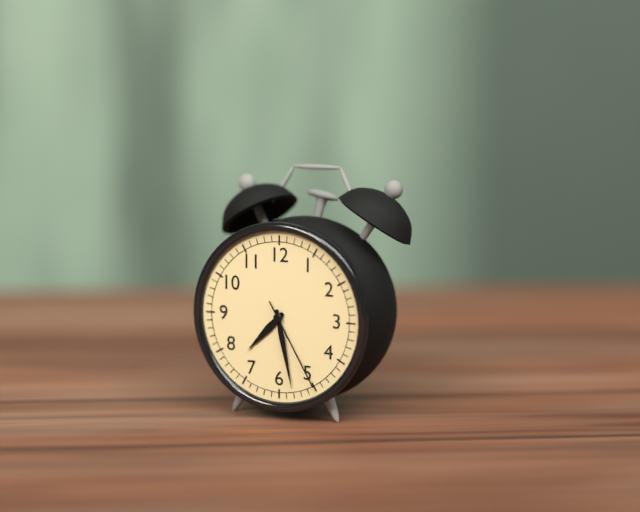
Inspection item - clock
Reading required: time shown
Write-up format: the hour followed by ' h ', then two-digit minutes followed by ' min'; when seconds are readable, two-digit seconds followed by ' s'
7 h 28 min 25 s
